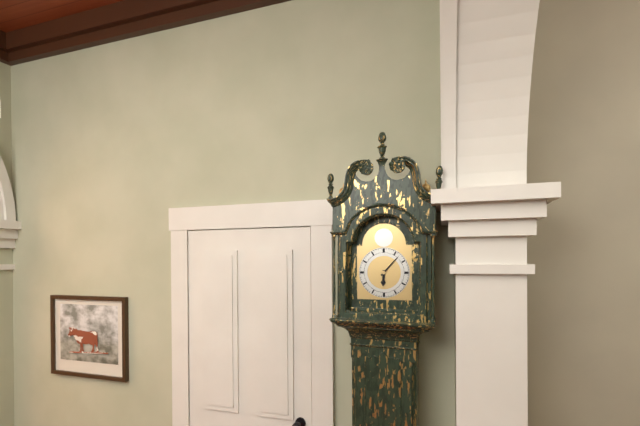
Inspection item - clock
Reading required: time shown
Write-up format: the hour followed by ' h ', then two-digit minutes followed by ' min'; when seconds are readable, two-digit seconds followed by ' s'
6 h 07 min
